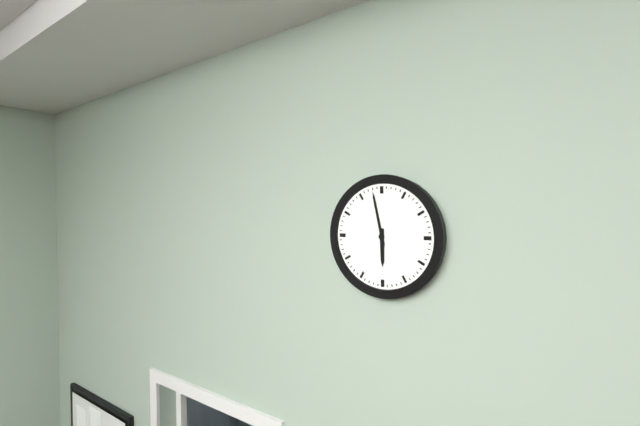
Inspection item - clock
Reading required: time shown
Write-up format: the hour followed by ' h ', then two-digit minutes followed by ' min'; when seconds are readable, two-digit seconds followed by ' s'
5 h 58 min
